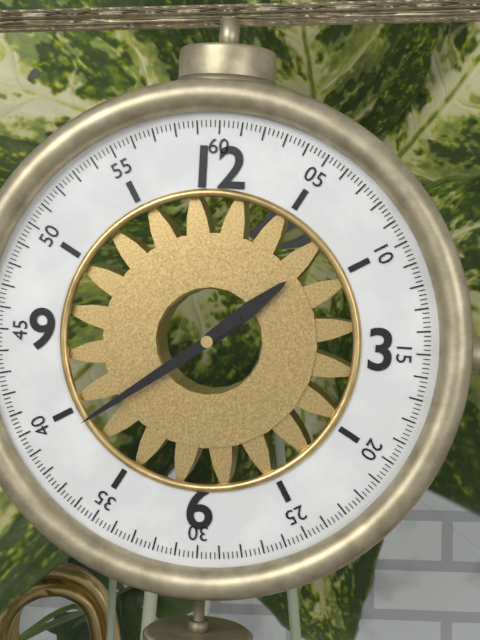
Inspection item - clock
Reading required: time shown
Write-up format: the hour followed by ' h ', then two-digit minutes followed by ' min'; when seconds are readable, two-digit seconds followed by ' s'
1 h 39 min
